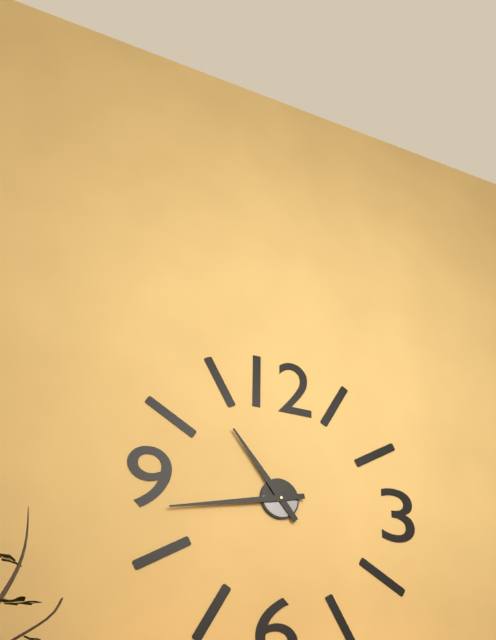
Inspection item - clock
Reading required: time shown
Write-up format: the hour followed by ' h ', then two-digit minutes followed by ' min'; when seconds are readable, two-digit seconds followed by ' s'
10 h 43 min
